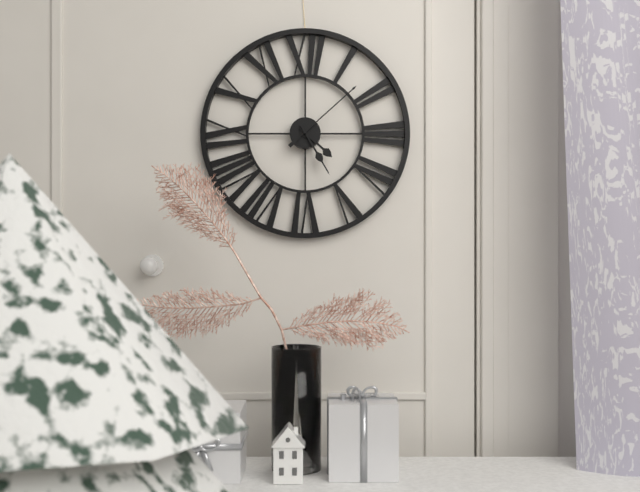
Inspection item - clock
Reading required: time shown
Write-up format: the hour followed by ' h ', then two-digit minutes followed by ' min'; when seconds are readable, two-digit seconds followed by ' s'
4 h 25 min 08 s
